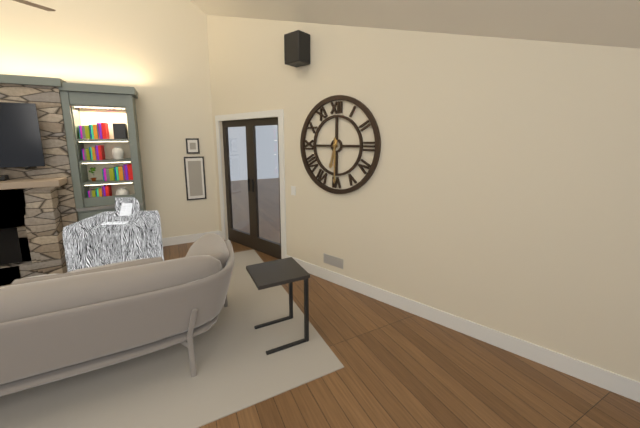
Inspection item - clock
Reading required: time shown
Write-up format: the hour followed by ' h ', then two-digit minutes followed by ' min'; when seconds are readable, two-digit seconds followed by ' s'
6 h 30 min
